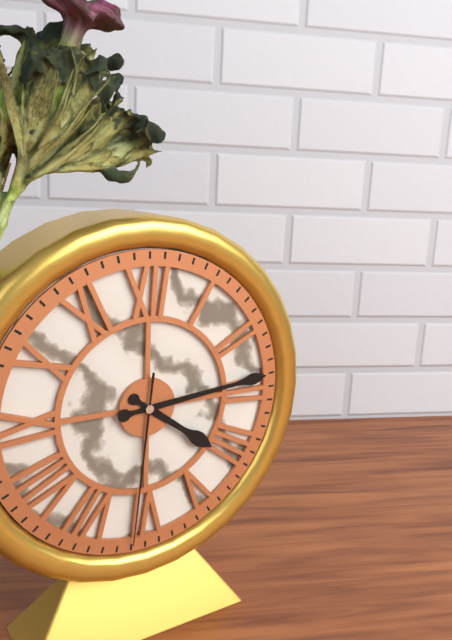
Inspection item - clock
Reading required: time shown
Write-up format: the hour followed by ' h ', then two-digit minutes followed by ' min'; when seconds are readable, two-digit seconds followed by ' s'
4 h 14 min 31 s
